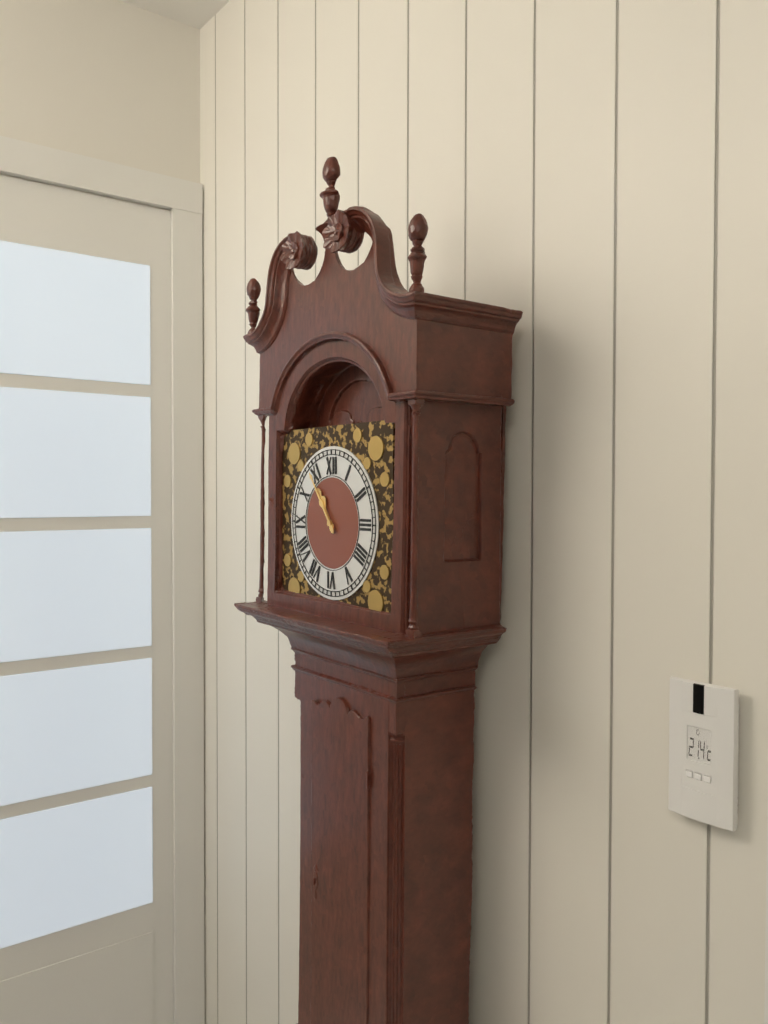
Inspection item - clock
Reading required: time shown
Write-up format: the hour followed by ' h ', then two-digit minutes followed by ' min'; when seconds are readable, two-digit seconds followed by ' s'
10 h 54 min
